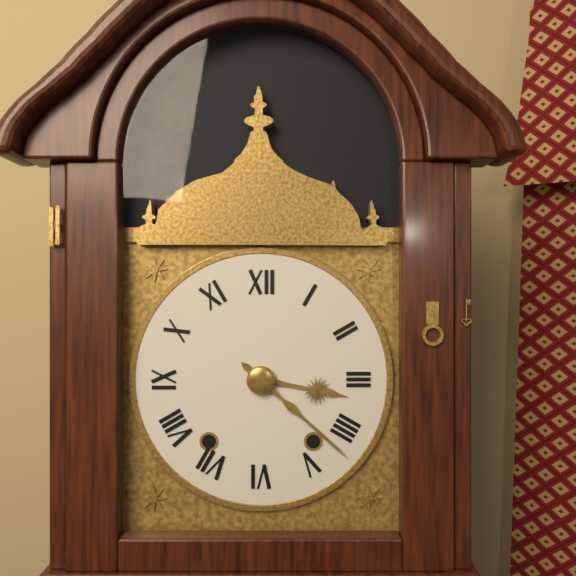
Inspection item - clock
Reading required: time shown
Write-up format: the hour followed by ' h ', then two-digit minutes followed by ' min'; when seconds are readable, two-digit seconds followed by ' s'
3 h 22 min
